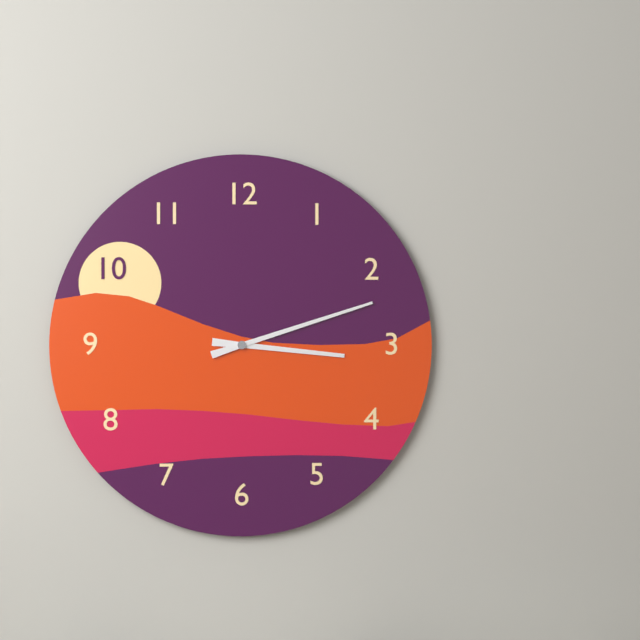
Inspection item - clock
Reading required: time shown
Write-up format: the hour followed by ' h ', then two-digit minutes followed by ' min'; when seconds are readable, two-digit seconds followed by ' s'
3 h 12 min
